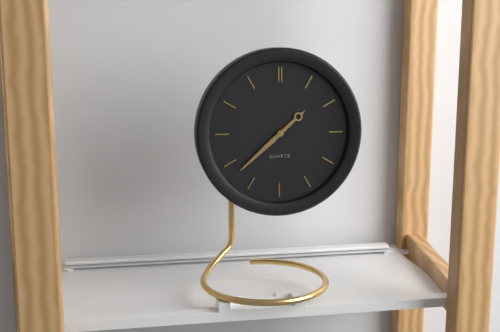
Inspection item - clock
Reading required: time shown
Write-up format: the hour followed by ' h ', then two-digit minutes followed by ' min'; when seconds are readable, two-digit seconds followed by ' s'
1 h 38 min
